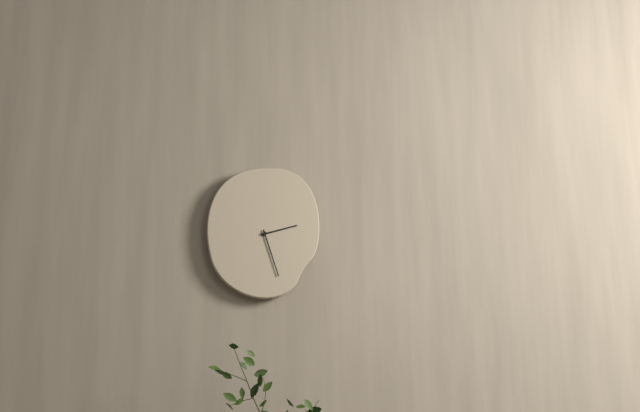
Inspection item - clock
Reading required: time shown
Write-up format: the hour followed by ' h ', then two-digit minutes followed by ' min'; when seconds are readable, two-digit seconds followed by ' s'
2 h 27 min
